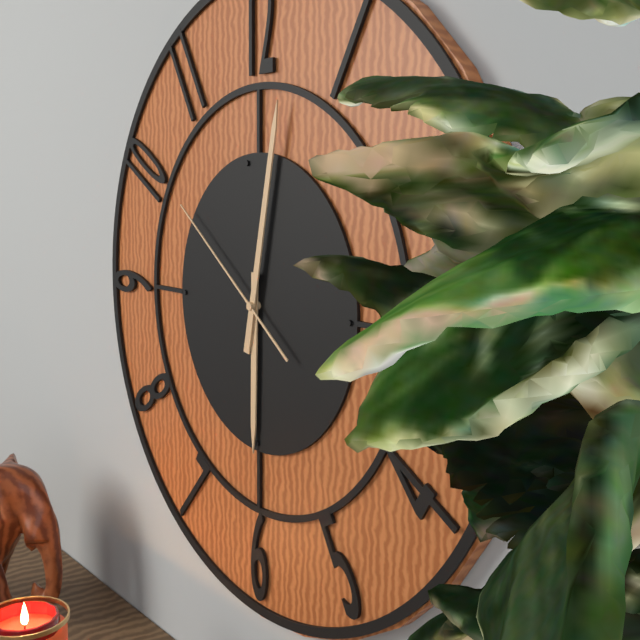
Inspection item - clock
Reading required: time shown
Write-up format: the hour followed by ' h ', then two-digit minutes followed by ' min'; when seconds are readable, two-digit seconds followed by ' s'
6 h 02 min 51 s
